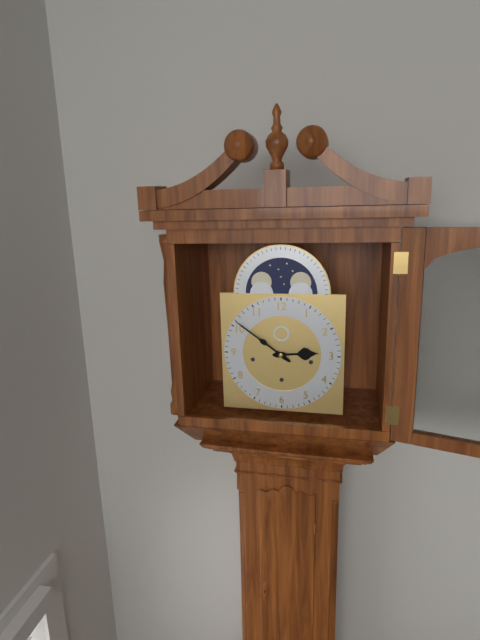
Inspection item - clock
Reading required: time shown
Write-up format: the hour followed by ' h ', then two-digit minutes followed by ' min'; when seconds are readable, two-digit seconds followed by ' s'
2 h 51 min
